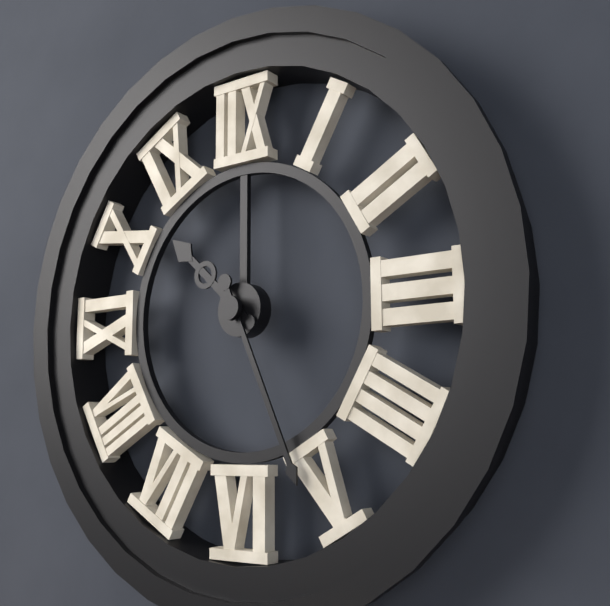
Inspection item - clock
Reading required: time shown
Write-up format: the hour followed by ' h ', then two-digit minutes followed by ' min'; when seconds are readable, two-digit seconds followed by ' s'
10 h 26 min
